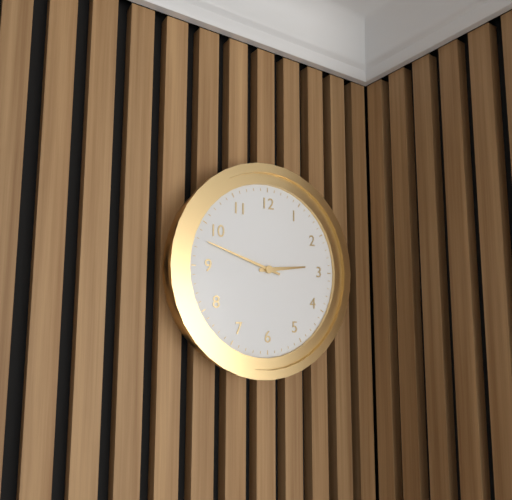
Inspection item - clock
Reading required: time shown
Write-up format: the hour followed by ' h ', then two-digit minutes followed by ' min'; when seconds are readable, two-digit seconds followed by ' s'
2 h 48 min
